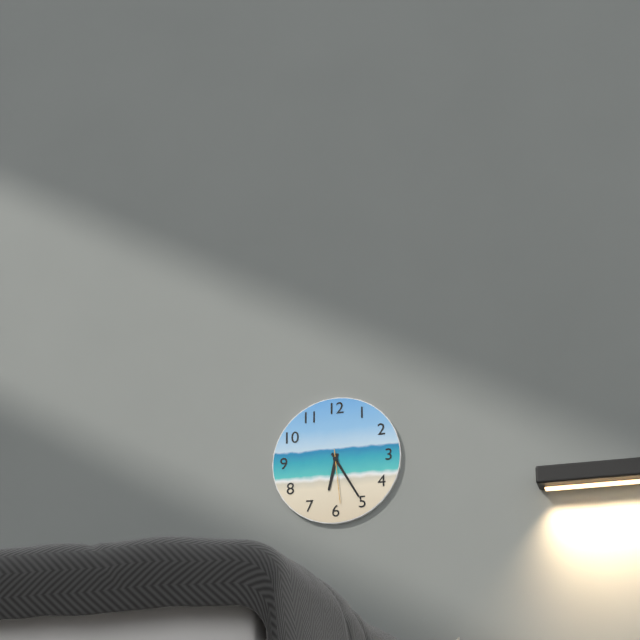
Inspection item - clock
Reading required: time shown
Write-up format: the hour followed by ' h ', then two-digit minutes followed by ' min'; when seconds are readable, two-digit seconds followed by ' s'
6 h 25 min 29 s
